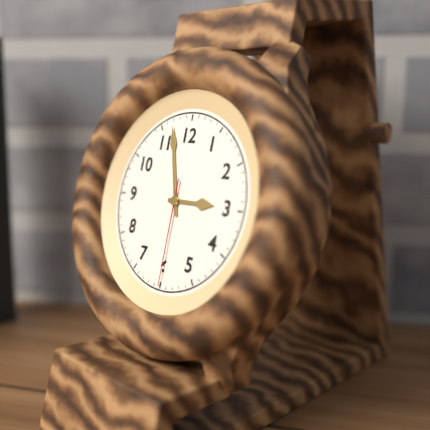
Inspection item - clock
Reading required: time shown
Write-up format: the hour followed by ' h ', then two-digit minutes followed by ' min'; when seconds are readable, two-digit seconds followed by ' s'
2 h 57 min 30 s
